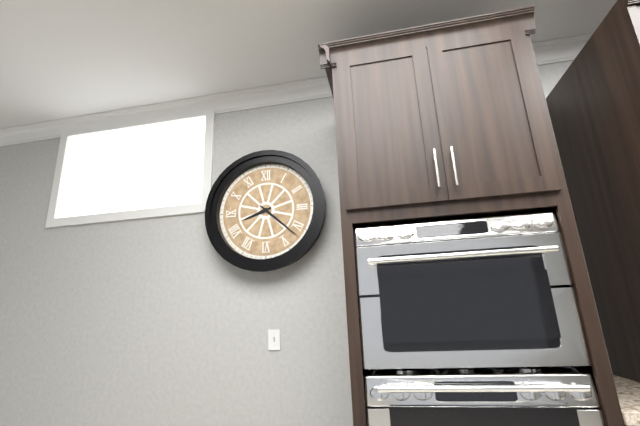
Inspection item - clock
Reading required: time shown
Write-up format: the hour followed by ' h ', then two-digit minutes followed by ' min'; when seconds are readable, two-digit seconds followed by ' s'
8 h 22 min
